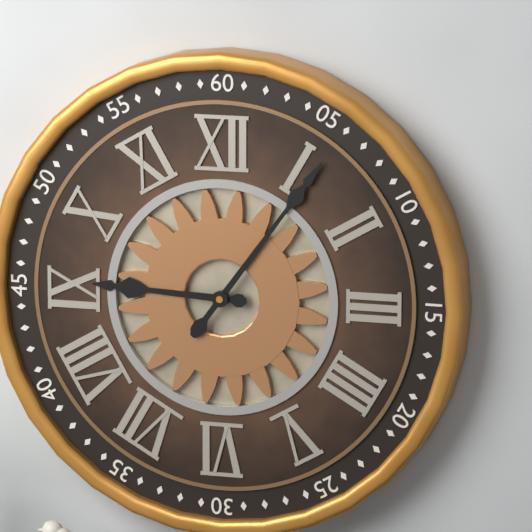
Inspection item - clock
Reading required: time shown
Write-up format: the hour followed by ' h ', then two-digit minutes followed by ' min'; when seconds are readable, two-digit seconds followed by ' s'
9 h 06 min
